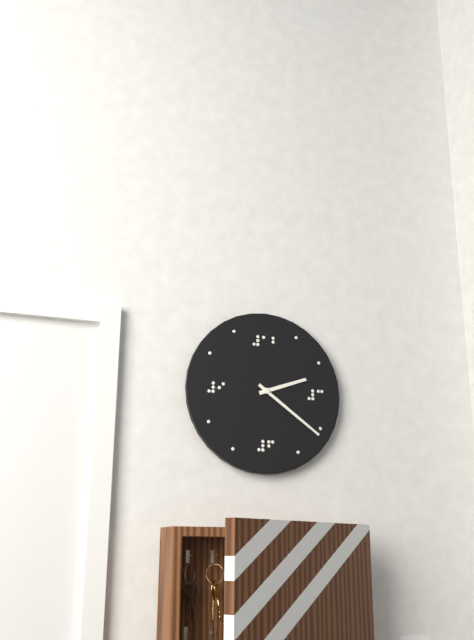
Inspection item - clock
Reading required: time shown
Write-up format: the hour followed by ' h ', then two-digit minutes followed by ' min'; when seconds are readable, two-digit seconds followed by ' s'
2 h 21 min
